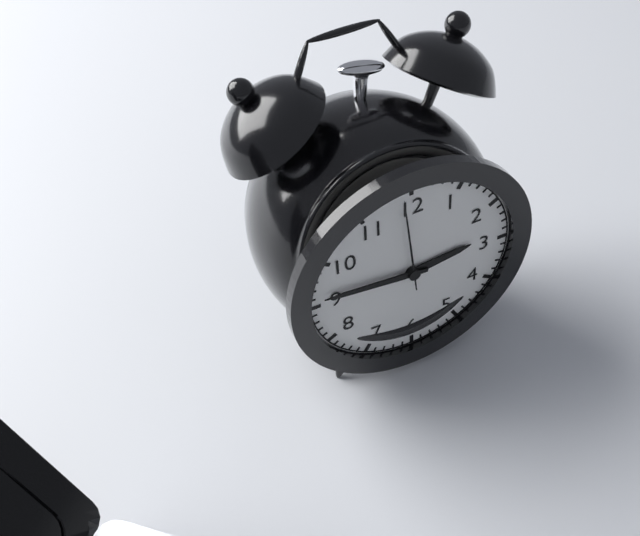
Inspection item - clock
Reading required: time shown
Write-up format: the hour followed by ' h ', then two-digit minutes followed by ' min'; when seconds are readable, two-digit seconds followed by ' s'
2 h 46 min 59 s
